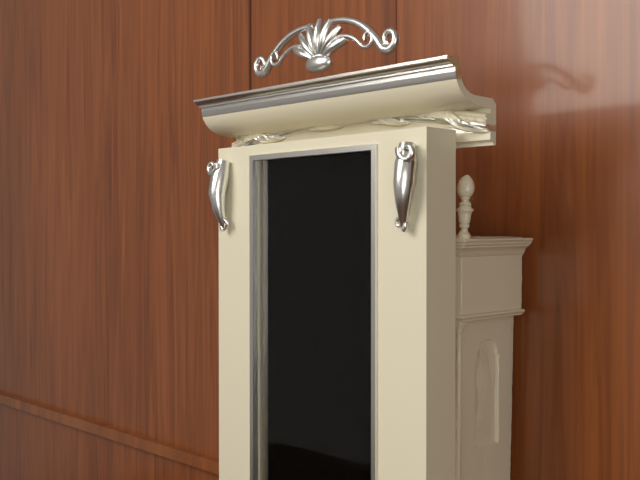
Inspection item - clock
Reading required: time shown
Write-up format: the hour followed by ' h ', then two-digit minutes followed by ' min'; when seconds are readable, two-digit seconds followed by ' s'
8 h 06 min
